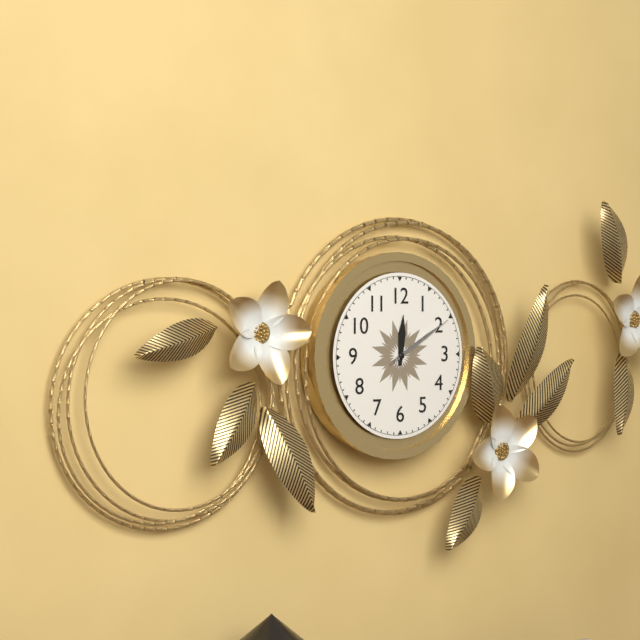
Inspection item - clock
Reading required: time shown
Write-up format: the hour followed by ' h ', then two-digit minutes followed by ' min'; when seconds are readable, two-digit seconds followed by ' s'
12 h 10 min 10 s
